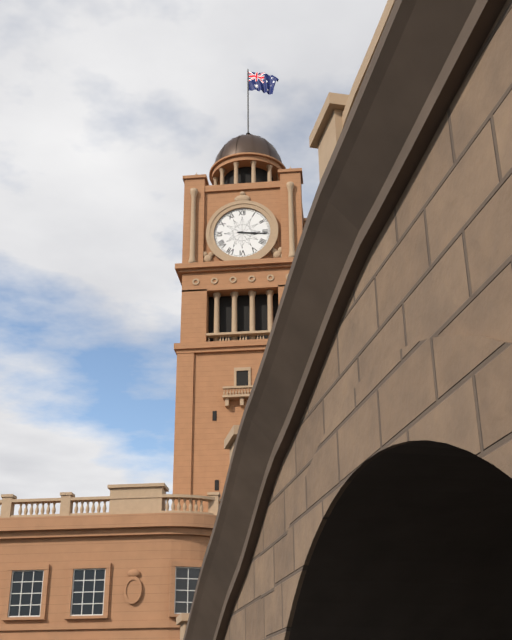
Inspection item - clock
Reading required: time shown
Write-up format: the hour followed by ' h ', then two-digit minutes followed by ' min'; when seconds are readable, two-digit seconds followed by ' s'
3 h 16 min
